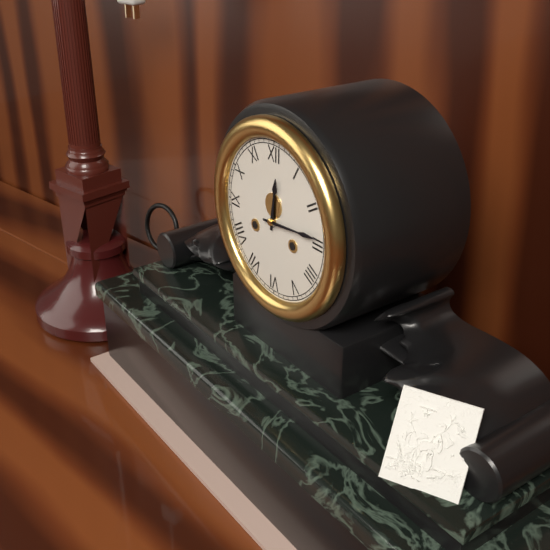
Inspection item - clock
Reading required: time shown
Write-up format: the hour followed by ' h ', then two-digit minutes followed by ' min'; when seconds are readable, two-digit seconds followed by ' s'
12 h 14 min
